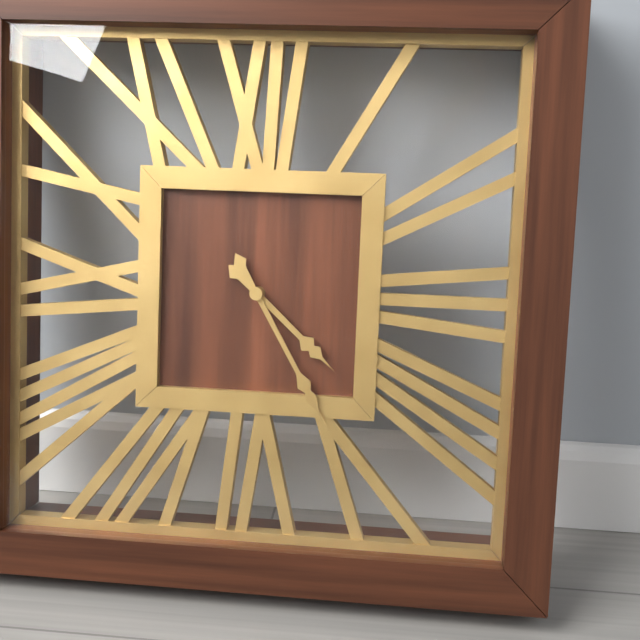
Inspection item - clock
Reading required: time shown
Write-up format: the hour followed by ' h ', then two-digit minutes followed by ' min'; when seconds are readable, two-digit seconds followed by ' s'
4 h 25 min
